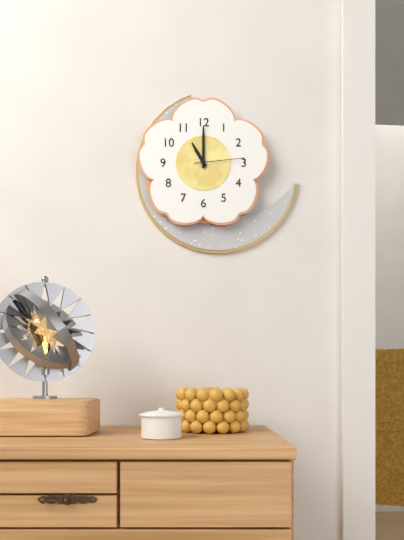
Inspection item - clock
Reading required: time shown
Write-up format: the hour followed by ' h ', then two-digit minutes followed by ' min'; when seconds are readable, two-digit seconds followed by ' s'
11 h 00 min 14 s
